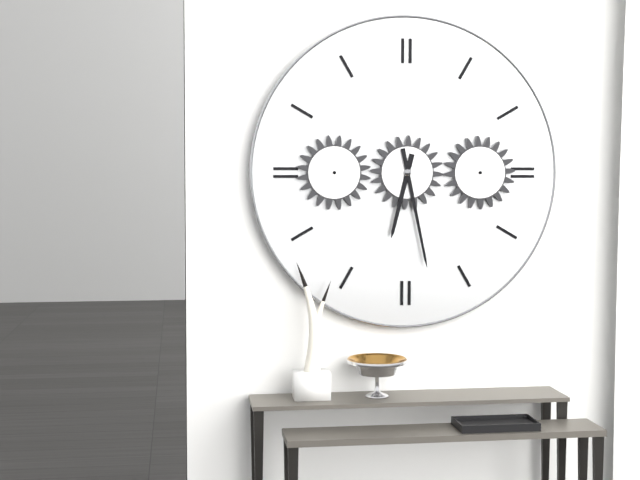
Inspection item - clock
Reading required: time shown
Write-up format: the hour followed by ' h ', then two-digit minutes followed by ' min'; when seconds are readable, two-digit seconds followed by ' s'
6 h 28 min
